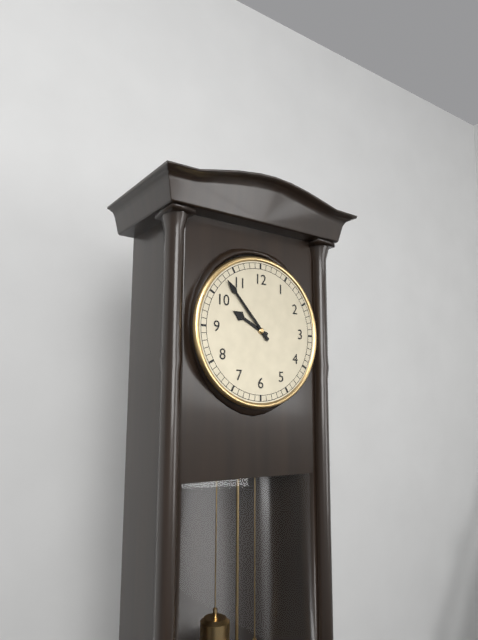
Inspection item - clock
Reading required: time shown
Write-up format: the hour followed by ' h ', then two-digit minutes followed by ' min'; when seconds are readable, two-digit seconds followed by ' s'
9 h 53 min
